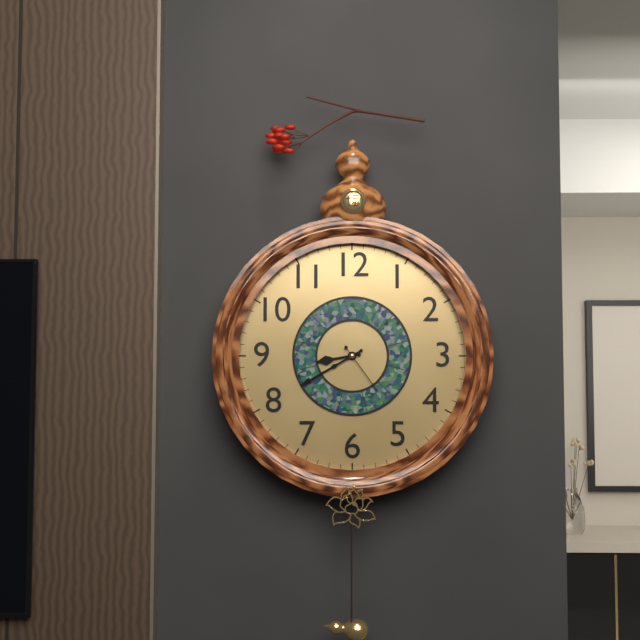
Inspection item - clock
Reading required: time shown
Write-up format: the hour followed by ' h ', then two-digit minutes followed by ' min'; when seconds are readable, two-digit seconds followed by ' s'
8 h 40 min 24 s
